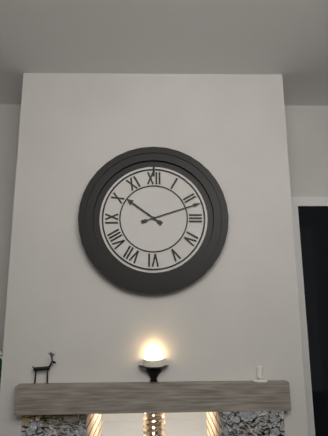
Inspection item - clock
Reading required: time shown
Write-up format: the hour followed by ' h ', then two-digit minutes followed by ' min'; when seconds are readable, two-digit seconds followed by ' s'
10 h 12 min
